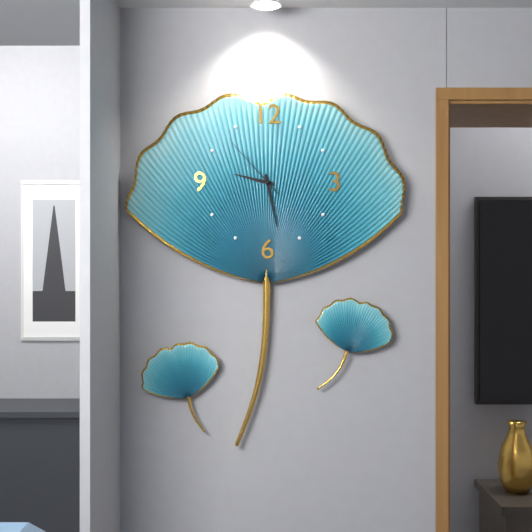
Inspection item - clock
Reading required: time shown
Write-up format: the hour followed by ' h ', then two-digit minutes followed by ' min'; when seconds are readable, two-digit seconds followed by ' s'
9 h 28 min 53 s
